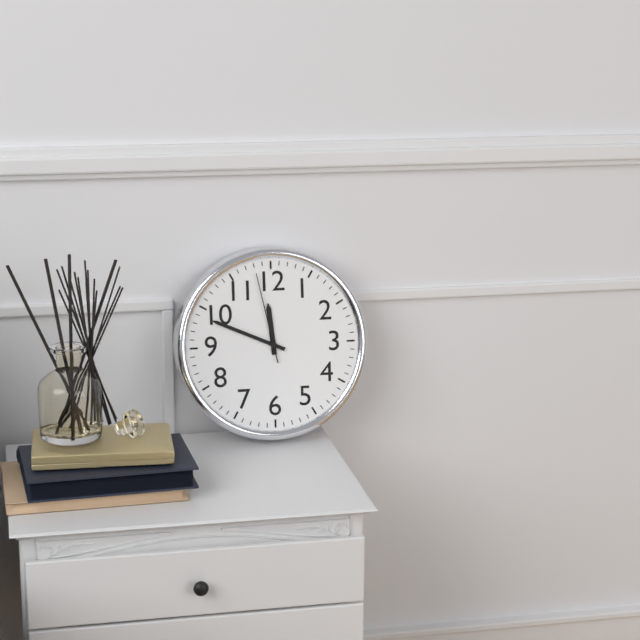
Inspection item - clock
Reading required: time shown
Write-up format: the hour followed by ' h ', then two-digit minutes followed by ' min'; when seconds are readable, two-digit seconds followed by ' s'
11 h 49 min 58 s
